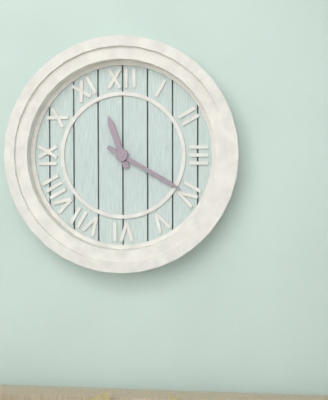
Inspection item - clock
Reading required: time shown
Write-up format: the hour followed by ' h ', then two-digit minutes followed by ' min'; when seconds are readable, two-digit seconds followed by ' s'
11 h 20 min
